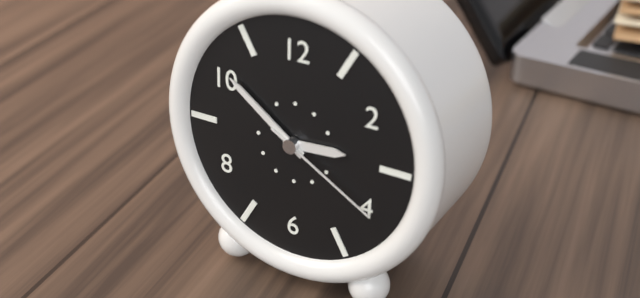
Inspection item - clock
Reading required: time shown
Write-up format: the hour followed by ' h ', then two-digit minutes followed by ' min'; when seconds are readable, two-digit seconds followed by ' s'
2 h 51 min 20 s
